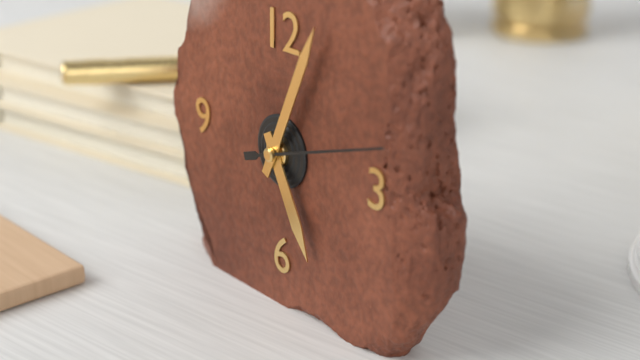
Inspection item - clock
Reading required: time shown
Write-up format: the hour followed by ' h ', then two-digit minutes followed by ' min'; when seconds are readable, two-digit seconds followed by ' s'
5 h 04 min 12 s
